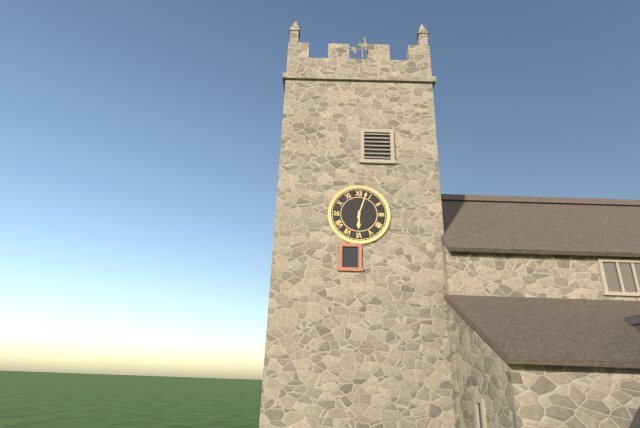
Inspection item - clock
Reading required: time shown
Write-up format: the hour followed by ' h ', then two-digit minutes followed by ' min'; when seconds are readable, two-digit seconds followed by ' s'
6 h 03 min
